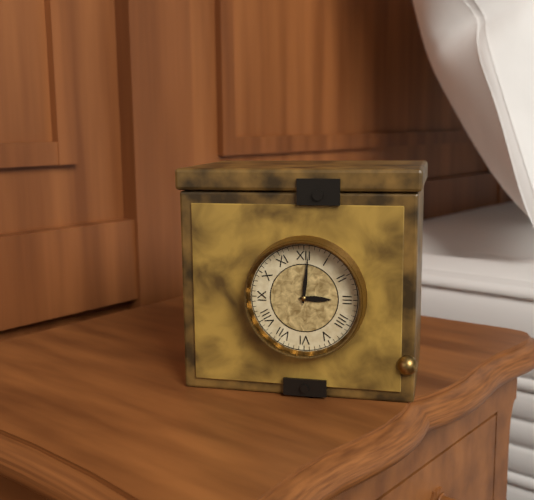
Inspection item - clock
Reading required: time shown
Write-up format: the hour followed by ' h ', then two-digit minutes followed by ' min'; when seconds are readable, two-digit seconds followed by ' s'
3 h 01 min
